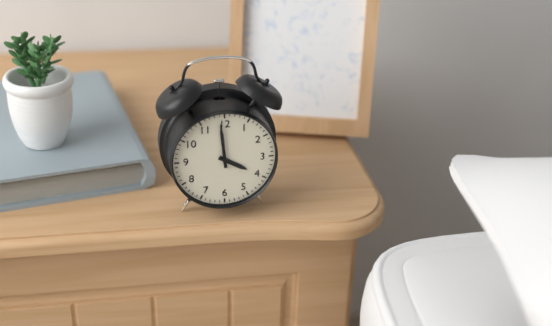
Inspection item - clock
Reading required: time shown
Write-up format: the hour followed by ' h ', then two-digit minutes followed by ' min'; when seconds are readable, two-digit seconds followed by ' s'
3 h 59 min
